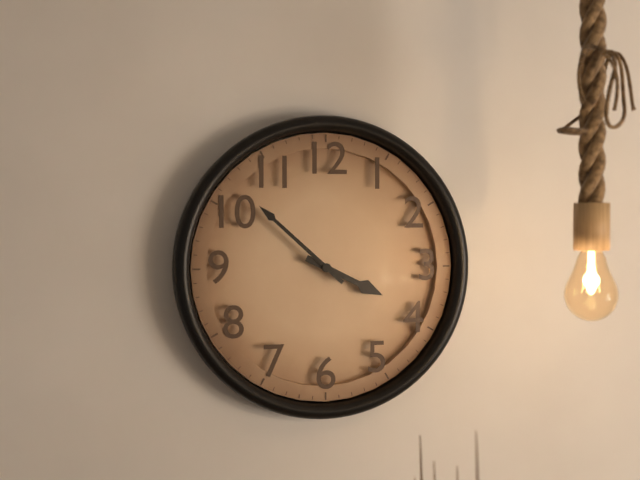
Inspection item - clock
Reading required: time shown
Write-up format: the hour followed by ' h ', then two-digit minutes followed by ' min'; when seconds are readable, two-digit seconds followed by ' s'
3 h 52 min
